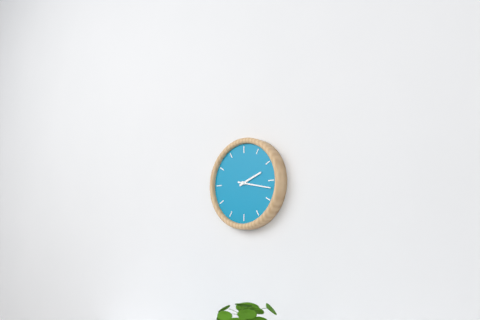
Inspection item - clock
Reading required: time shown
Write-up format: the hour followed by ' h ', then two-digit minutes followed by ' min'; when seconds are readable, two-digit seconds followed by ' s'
2 h 17 min
